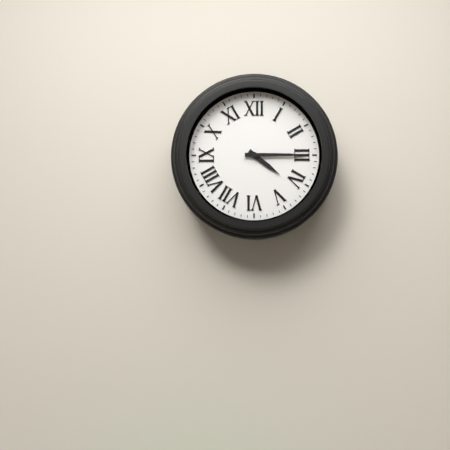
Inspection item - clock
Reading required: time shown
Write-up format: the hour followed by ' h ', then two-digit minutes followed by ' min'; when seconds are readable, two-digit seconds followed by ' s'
4 h 15 min
